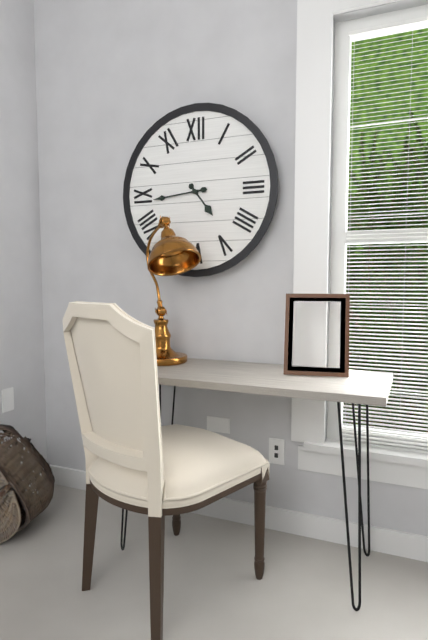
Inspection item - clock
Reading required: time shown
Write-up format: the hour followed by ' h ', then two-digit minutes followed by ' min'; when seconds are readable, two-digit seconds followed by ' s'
4 h 44 min
